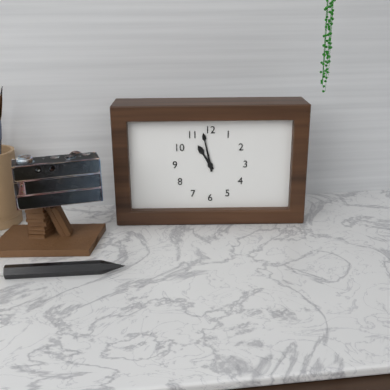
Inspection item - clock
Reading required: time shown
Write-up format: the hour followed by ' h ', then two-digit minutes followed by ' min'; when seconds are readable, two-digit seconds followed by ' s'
10 h 58 min
